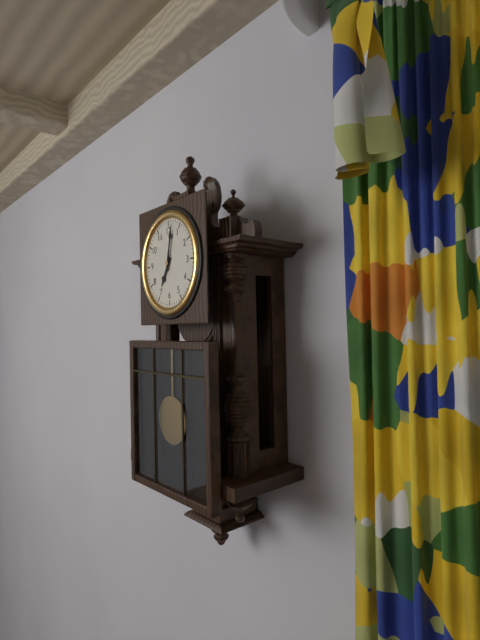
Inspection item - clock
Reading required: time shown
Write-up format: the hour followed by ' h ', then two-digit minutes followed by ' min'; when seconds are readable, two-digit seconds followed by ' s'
7 h 02 min
